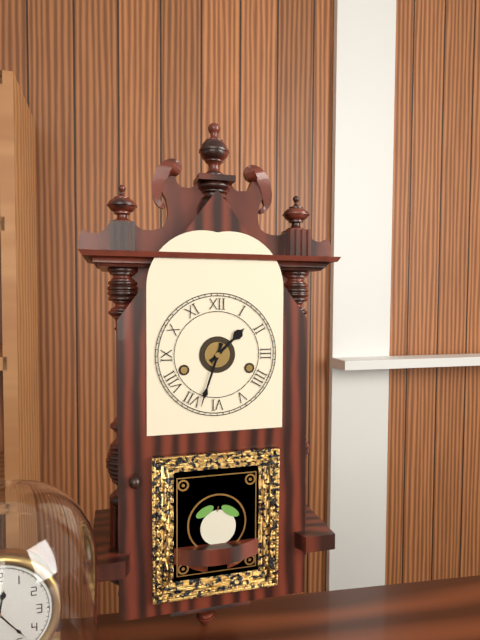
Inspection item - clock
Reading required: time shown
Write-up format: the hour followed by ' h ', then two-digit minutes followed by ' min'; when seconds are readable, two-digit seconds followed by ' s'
1 h 33 min
